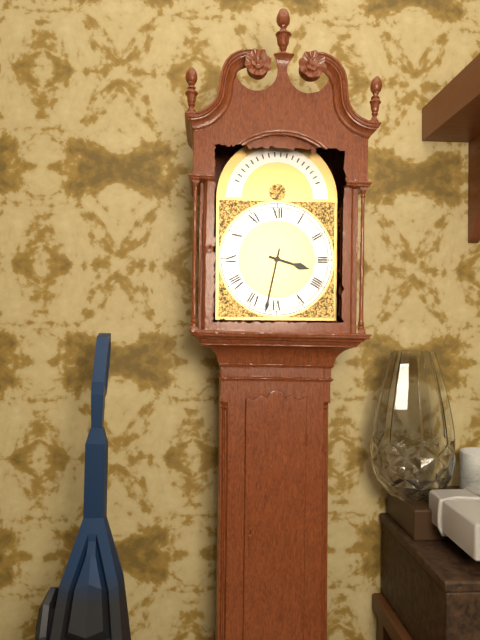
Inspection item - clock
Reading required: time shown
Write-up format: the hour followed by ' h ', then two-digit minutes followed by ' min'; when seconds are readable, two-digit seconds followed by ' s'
3 h 32 min
